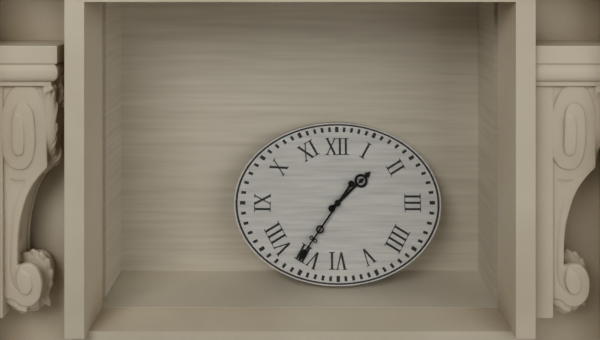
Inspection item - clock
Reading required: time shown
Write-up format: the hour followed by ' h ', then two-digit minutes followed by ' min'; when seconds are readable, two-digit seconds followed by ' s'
1 h 36 min
